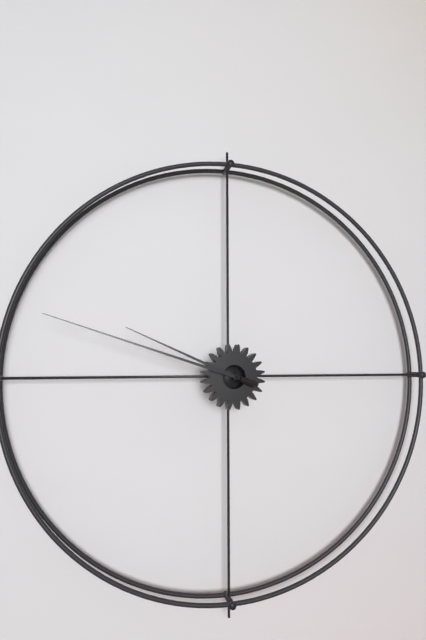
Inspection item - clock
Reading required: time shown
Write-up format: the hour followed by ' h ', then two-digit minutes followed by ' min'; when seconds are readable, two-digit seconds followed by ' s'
9 h 48 min
